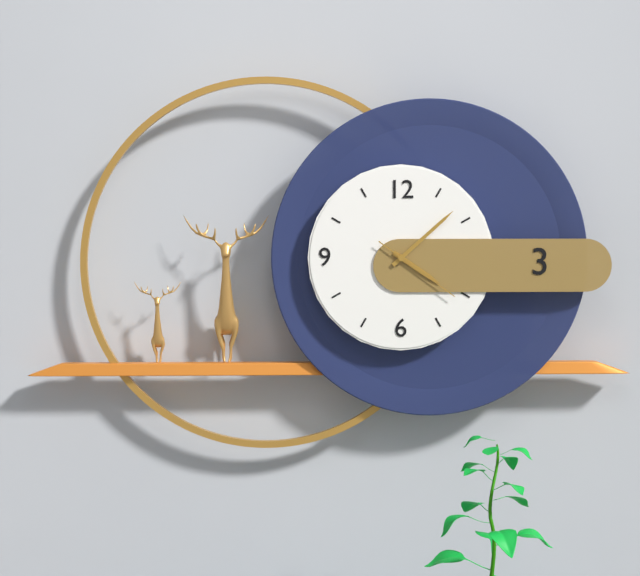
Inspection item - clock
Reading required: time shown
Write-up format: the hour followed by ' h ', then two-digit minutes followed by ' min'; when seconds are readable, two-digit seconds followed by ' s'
4 h 08 min 21 s
